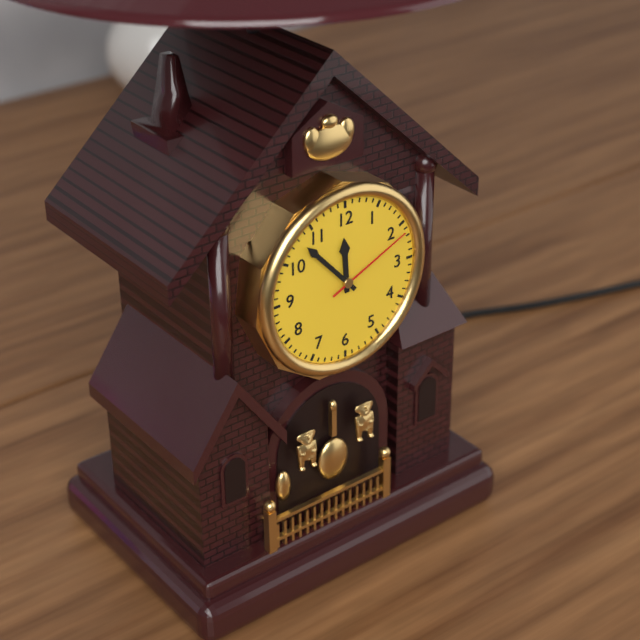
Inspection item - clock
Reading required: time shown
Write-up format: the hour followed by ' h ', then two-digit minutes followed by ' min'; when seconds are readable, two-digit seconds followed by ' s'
11 h 53 min 11 s
